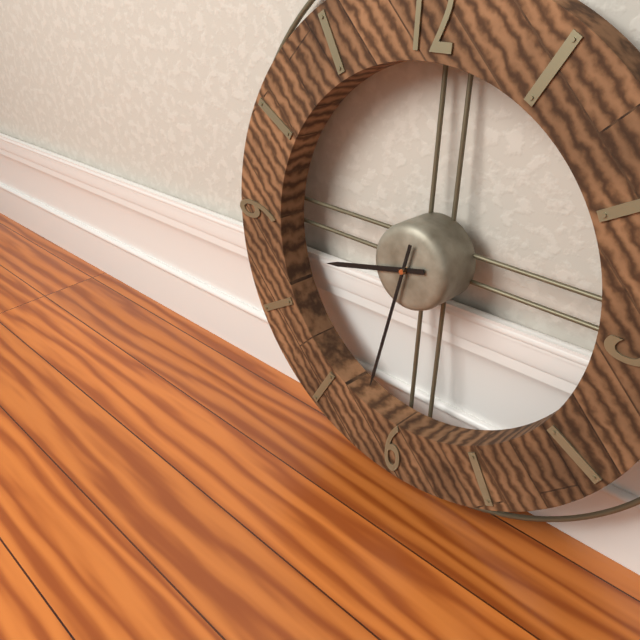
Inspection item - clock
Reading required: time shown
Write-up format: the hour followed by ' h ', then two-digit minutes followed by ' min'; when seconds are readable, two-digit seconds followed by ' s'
8 h 32 min
